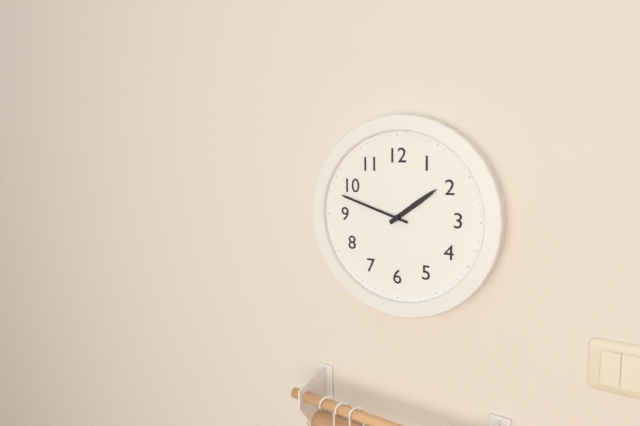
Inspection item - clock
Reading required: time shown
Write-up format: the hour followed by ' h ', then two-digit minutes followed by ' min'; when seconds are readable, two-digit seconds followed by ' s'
1 h 48 min
